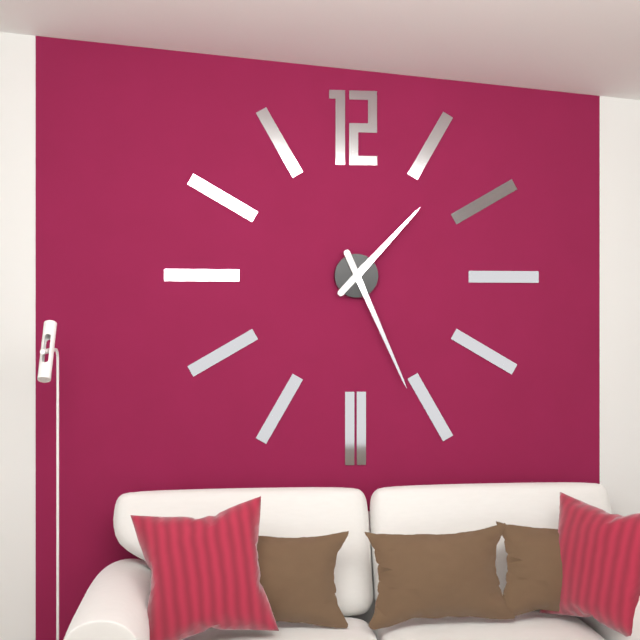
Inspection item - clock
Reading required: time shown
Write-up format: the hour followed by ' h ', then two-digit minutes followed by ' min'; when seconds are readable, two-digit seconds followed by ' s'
1 h 26 min
